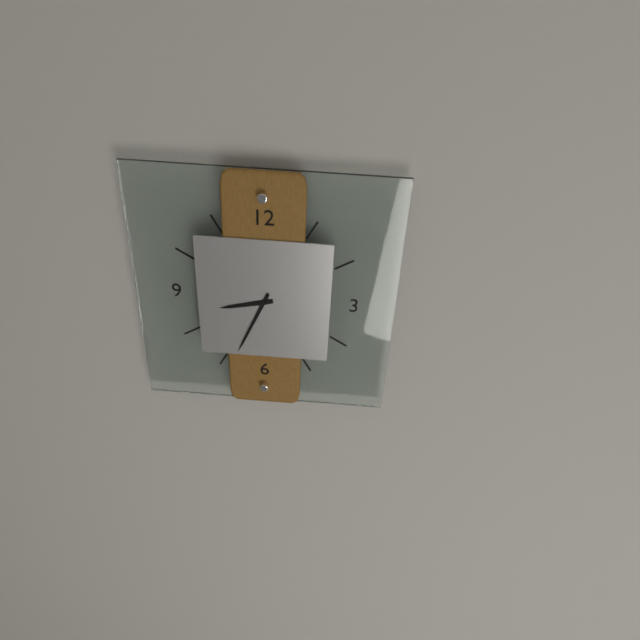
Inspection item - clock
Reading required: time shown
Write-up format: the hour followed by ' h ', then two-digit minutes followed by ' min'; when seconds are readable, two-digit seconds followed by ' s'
8 h 34 min
